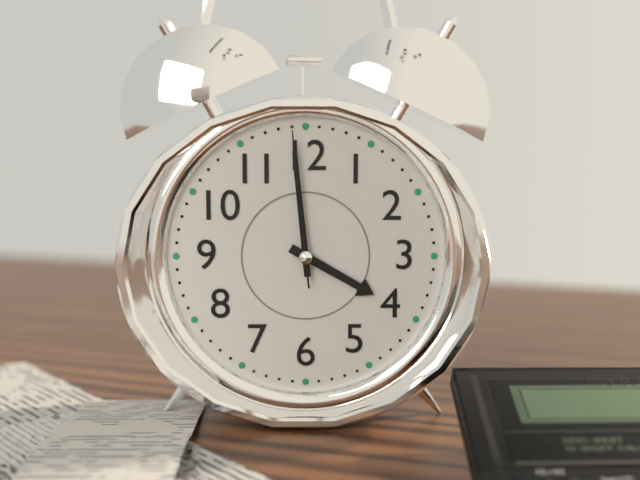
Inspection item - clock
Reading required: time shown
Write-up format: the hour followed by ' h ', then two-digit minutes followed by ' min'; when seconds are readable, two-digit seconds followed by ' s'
3 h 59 min 59 s
